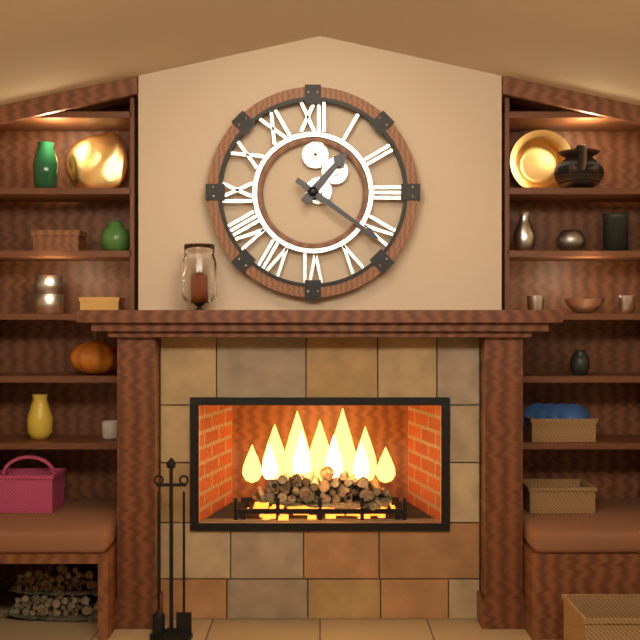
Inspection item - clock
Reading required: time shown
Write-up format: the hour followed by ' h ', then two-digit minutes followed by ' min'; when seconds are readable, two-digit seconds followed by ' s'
1 h 21 min
